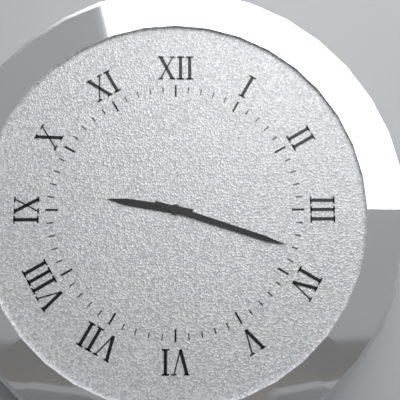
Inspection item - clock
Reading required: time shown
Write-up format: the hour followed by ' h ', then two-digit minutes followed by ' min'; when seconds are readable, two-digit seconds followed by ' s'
9 h 18 min
